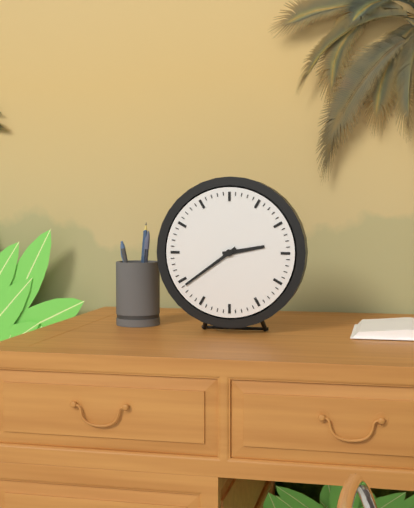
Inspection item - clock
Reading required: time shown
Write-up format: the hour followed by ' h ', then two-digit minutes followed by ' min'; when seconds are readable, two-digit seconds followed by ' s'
2 h 39 min
